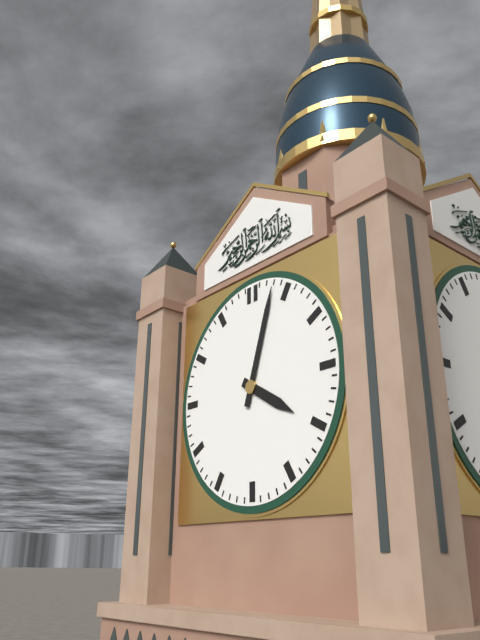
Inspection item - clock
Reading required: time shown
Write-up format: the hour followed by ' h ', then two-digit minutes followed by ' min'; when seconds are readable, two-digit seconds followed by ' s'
4 h 03 min
